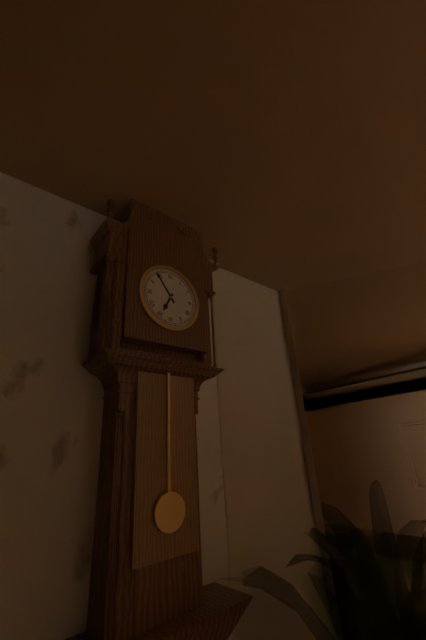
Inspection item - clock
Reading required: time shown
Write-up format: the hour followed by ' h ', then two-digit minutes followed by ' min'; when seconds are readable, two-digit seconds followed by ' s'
6 h 54 min
